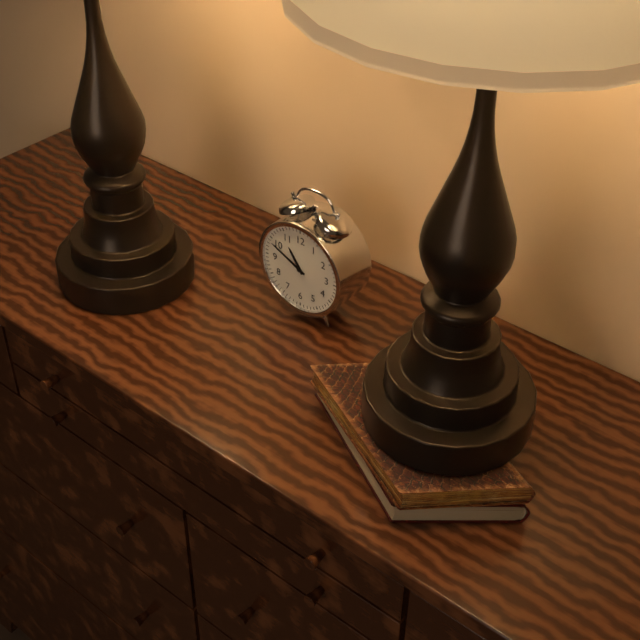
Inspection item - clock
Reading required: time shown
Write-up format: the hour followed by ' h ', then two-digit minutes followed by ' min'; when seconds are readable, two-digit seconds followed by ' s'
10 h 49 min
